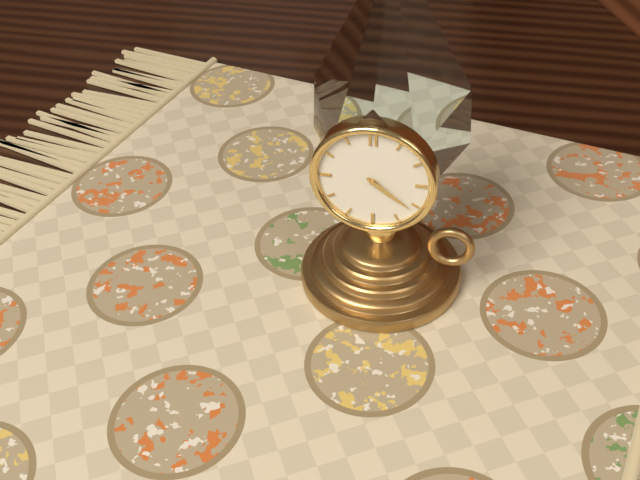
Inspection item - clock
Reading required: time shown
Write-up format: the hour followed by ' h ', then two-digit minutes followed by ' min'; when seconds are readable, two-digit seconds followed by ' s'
4 h 21 min
